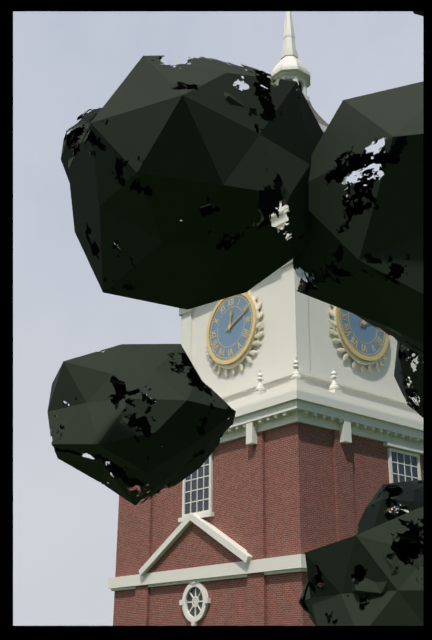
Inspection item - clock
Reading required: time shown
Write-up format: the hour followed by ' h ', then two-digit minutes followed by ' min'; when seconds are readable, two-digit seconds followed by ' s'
12 h 11 min
